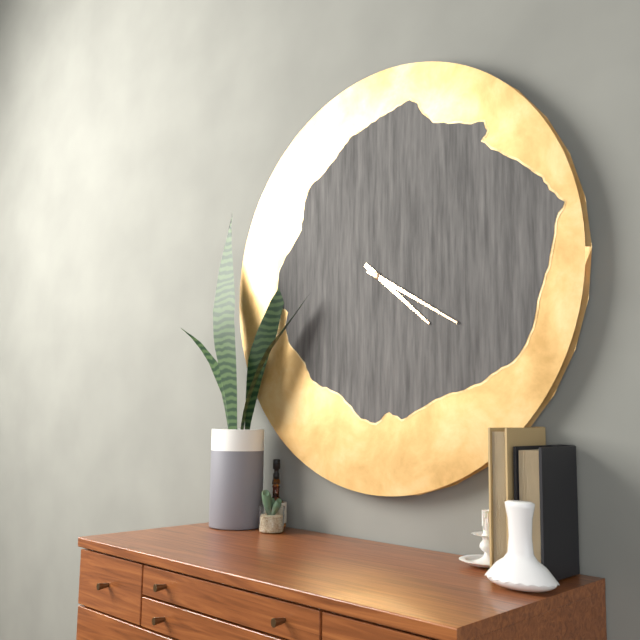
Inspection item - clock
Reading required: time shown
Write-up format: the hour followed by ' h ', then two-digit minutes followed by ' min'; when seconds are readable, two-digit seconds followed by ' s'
4 h 20 min
